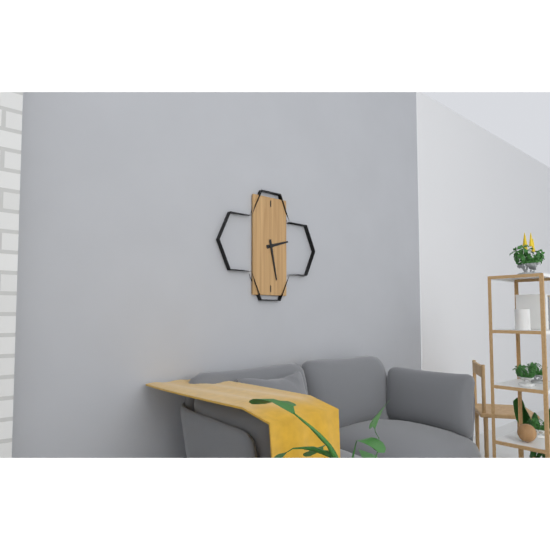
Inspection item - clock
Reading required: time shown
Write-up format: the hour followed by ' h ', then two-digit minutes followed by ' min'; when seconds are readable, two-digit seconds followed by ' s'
2 h 28 min
